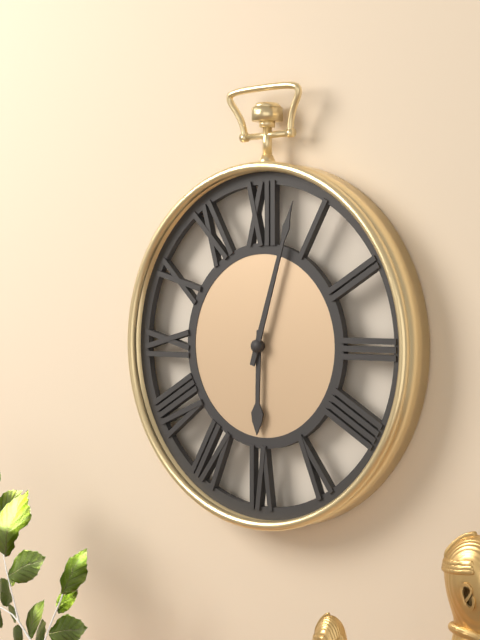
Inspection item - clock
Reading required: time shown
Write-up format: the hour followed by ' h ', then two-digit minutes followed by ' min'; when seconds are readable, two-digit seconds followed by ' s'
6 h 03 min
